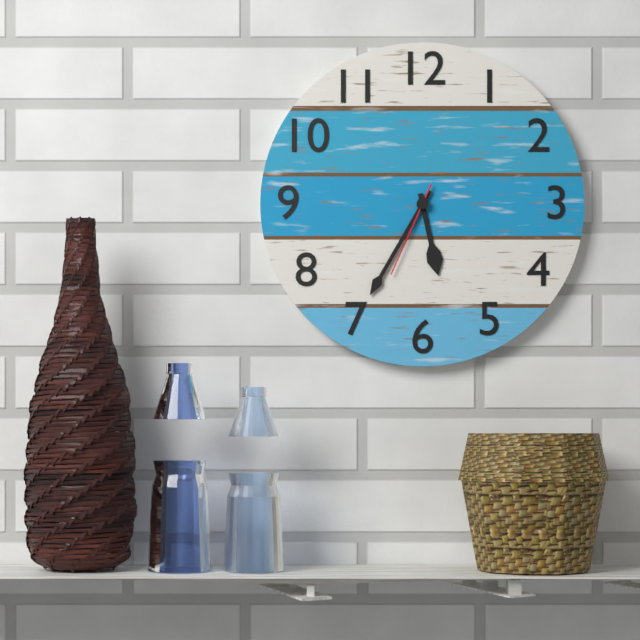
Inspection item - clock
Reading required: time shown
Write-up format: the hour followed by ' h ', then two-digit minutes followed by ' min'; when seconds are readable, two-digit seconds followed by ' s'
5 h 35 min 34 s
